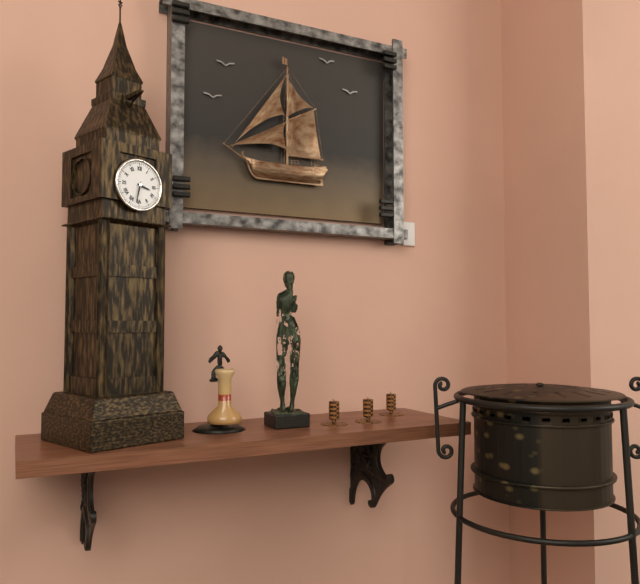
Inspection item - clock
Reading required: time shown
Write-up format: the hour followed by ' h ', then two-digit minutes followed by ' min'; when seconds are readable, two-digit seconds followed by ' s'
3 h 32 min
